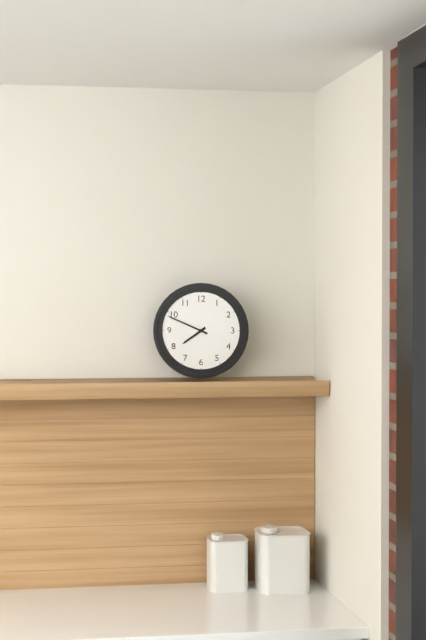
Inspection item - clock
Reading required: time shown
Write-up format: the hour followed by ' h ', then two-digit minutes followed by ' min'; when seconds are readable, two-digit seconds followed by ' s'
7 h 49 min
